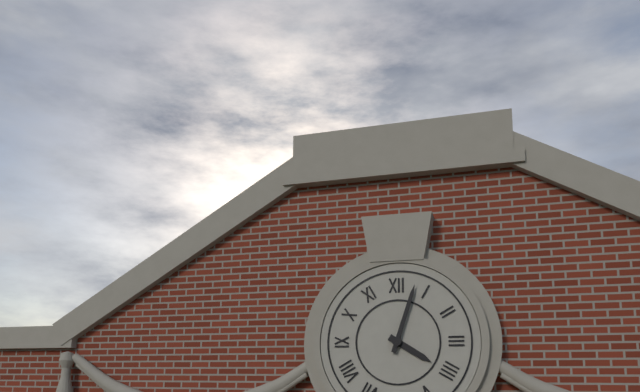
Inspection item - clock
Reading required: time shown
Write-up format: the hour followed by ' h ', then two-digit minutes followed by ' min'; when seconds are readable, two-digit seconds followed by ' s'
4 h 03 min
